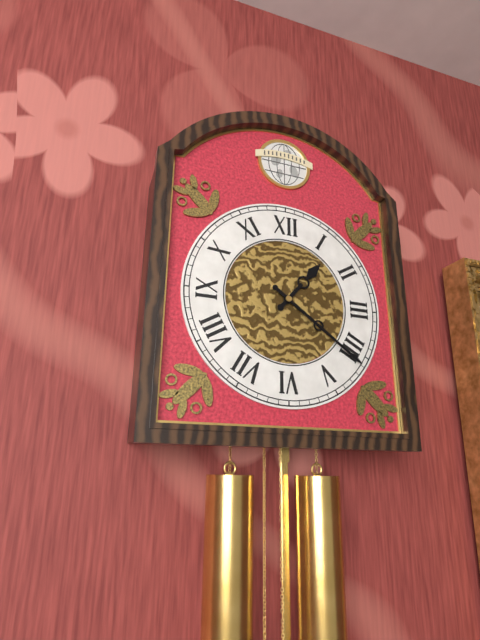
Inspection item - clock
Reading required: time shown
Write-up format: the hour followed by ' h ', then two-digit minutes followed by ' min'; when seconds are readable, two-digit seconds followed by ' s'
1 h 21 min
